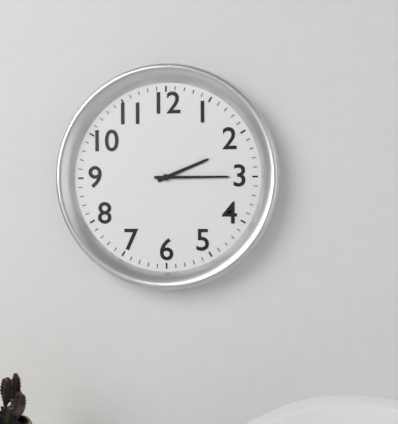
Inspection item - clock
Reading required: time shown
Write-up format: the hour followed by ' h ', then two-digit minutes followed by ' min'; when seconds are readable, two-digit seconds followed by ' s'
2 h 15 min
